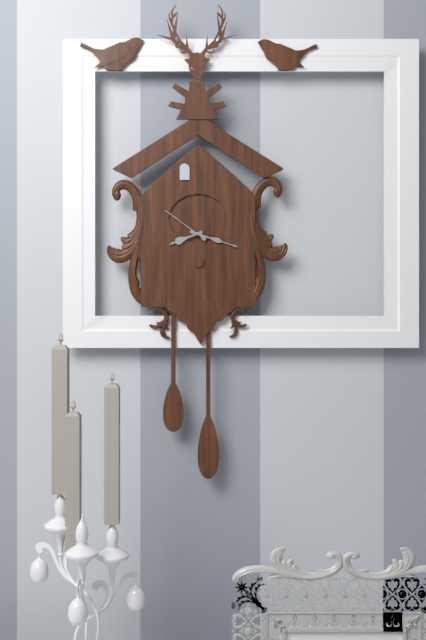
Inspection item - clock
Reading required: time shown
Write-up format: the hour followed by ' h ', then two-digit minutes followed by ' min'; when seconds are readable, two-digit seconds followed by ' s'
8 h 18 min 51 s
